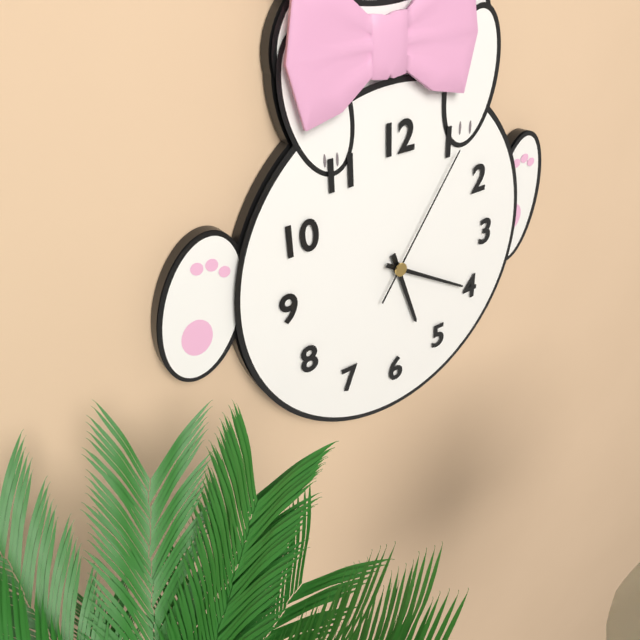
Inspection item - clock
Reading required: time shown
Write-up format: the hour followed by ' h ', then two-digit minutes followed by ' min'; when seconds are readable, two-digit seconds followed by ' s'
5 h 20 min 06 s
